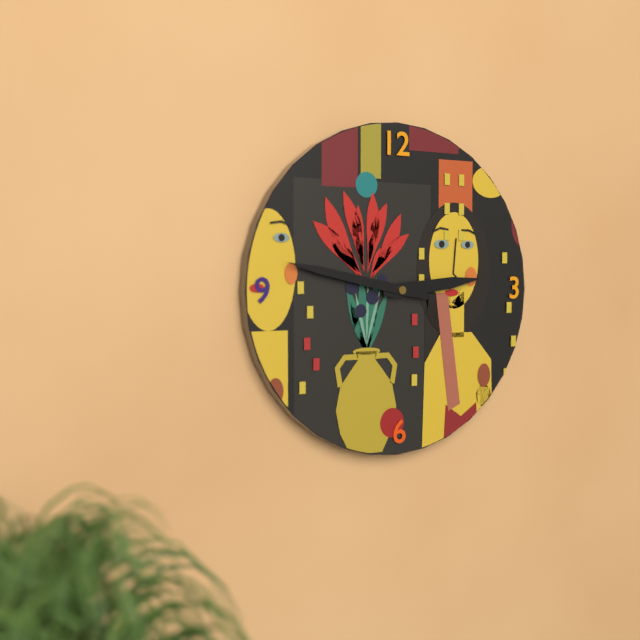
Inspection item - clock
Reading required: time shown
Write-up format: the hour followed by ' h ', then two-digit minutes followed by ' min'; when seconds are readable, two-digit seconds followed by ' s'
2 h 47 min
